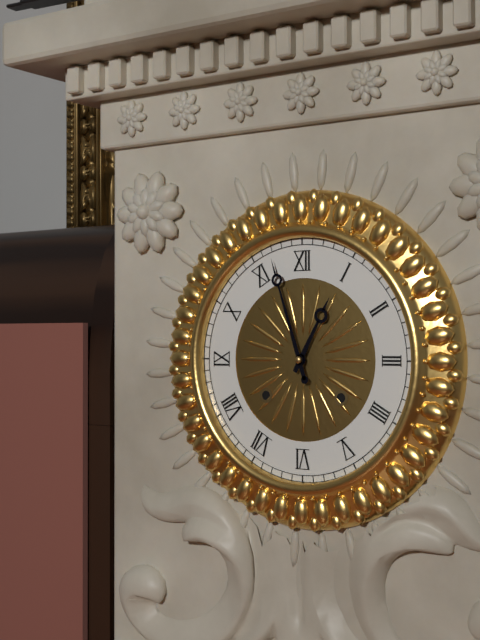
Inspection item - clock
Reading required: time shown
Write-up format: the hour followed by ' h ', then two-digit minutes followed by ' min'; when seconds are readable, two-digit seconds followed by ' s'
12 h 57 min
